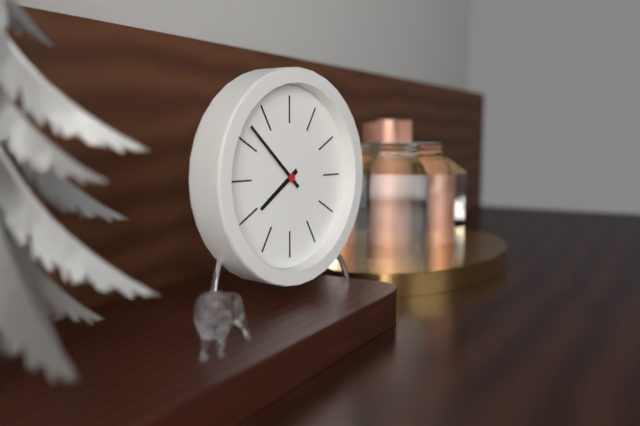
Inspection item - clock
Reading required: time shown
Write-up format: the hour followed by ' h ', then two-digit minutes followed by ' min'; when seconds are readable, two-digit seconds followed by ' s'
7 h 52 min
